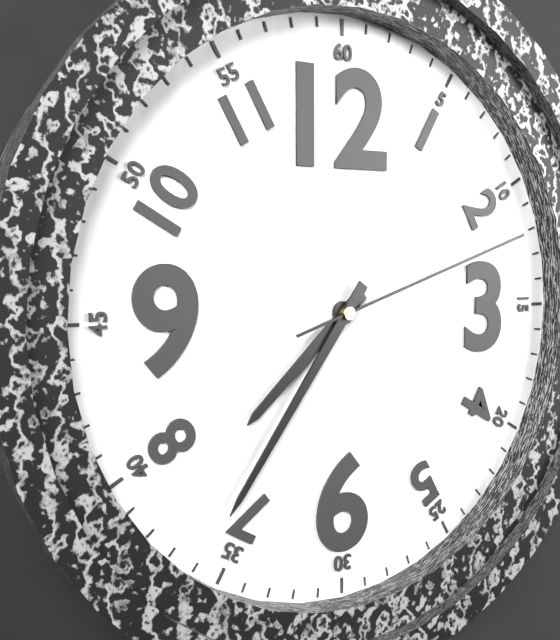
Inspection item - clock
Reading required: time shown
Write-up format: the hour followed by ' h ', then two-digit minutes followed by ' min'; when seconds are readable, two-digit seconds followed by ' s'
7 h 36 min 12 s
